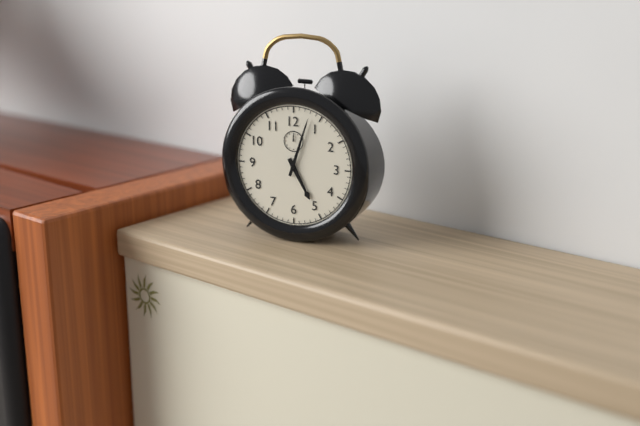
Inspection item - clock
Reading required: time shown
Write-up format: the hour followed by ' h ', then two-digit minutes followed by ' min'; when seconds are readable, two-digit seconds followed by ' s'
5 h 03 min
